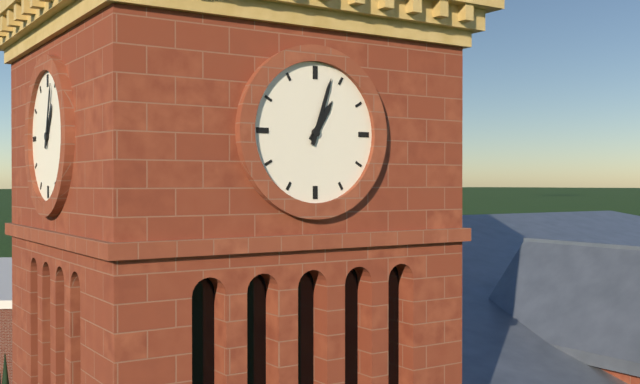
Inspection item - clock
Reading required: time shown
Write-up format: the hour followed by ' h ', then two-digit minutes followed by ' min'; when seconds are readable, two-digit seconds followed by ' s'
1 h 03 min
